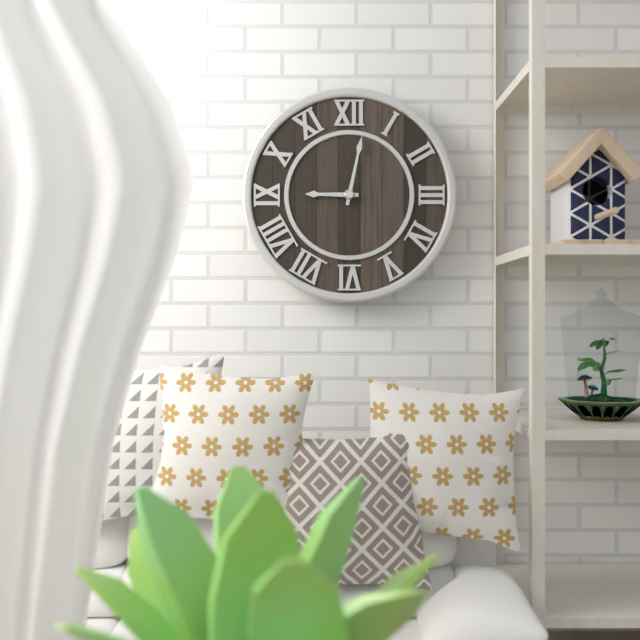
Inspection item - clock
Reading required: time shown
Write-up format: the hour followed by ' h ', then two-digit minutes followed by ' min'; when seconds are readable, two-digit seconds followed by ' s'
9 h 02 min
